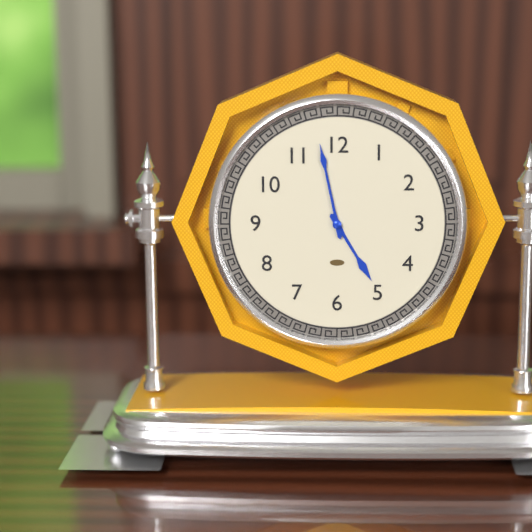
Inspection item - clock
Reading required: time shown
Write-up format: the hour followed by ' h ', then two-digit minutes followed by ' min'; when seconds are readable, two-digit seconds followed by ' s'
4 h 58 min
